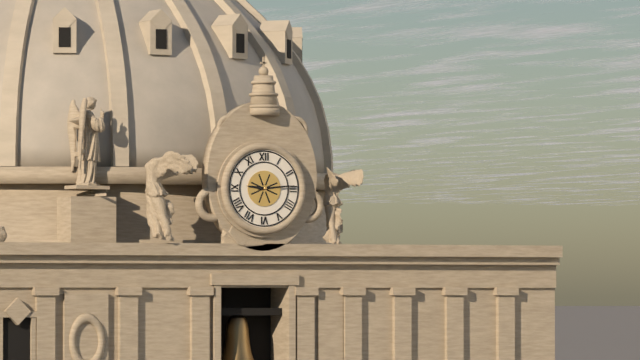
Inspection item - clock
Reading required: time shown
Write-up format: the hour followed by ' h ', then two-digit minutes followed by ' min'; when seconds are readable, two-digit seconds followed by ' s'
9 h 14 min
